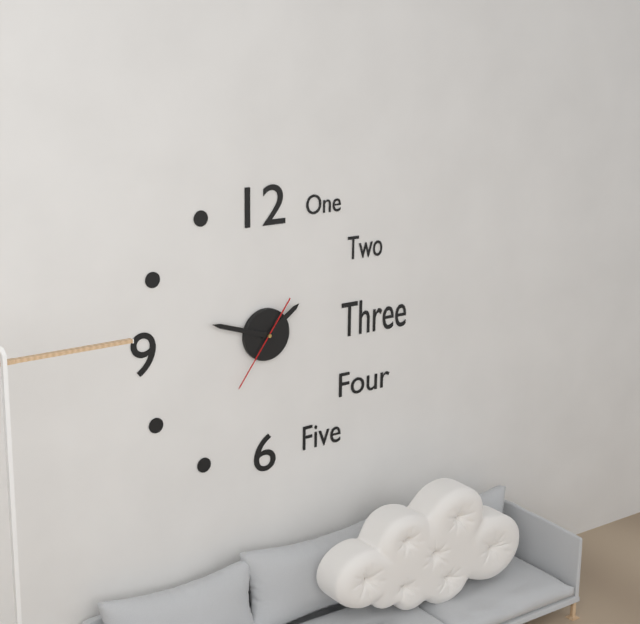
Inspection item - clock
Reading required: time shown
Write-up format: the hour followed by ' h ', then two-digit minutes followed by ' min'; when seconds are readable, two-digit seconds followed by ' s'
1 h 48 min 36 s
